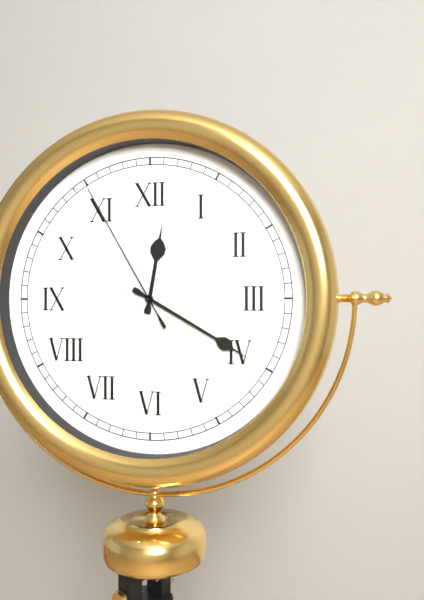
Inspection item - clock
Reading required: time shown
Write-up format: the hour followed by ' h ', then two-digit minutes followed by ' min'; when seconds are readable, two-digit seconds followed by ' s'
12 h 20 min 55 s
